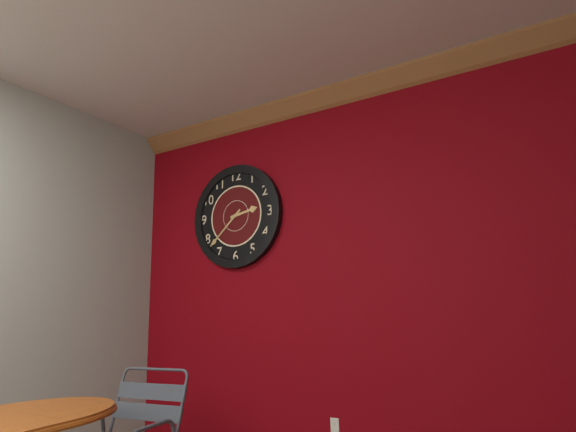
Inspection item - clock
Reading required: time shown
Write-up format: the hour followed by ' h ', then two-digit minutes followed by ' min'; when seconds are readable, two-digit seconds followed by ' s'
2 h 38 min
